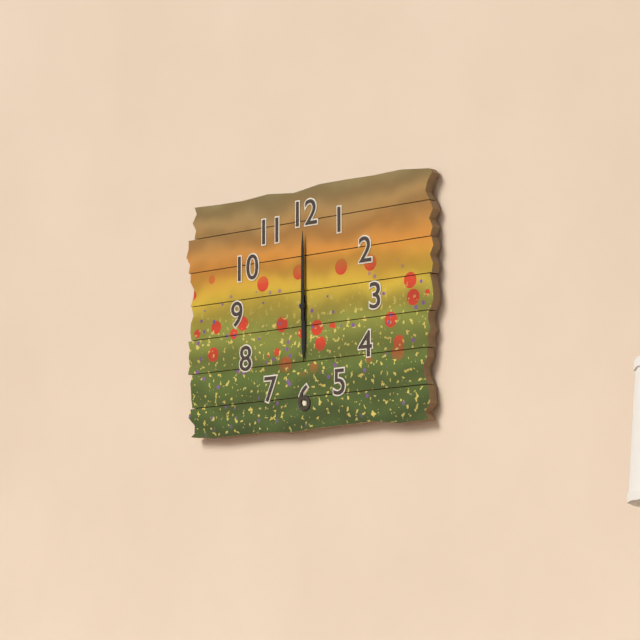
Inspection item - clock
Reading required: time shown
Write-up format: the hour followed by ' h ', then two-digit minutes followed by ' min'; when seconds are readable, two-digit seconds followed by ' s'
6 h 00 min
